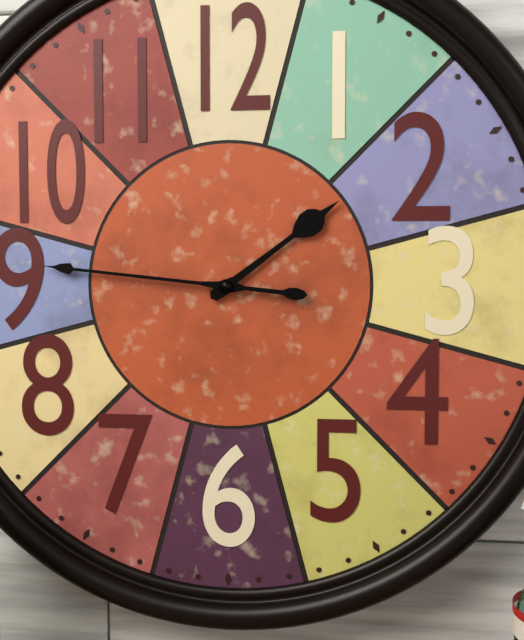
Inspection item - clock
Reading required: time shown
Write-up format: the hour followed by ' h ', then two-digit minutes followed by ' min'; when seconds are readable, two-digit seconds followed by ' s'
1 h 46 min
